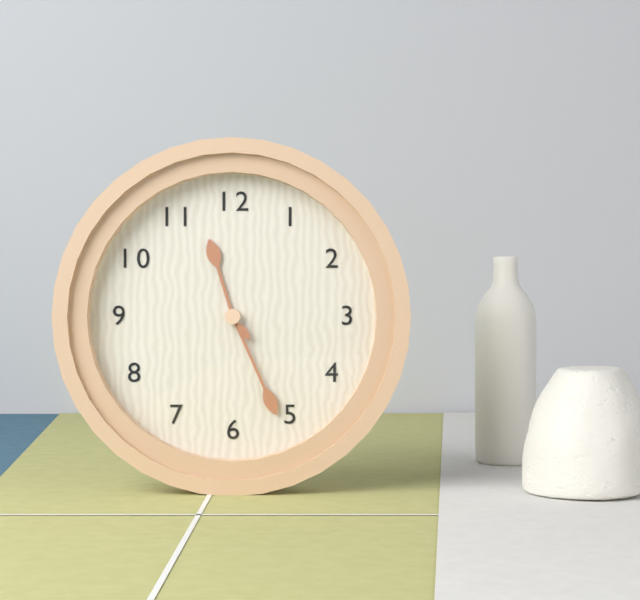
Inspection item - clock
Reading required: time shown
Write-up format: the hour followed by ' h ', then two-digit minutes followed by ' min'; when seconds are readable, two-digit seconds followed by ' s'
11 h 26 min
